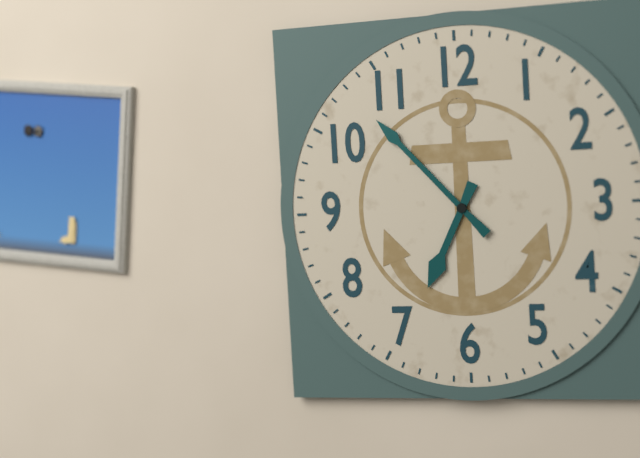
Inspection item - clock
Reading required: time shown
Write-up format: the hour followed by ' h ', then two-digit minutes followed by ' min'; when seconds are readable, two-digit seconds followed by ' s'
6 h 53 min
